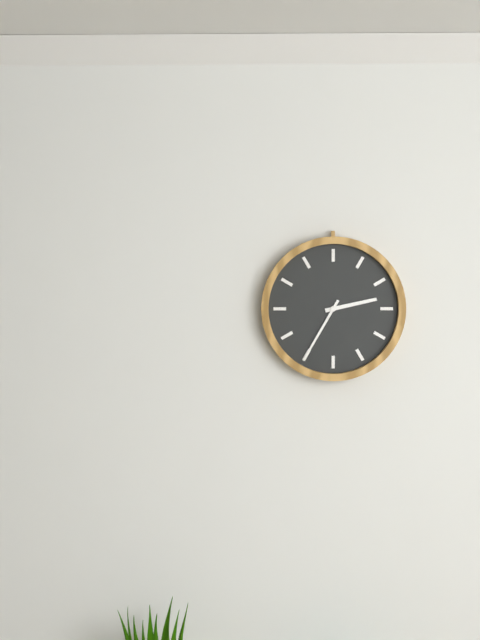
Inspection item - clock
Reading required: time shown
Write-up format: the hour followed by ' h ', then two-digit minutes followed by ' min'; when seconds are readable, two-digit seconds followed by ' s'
2 h 35 min
